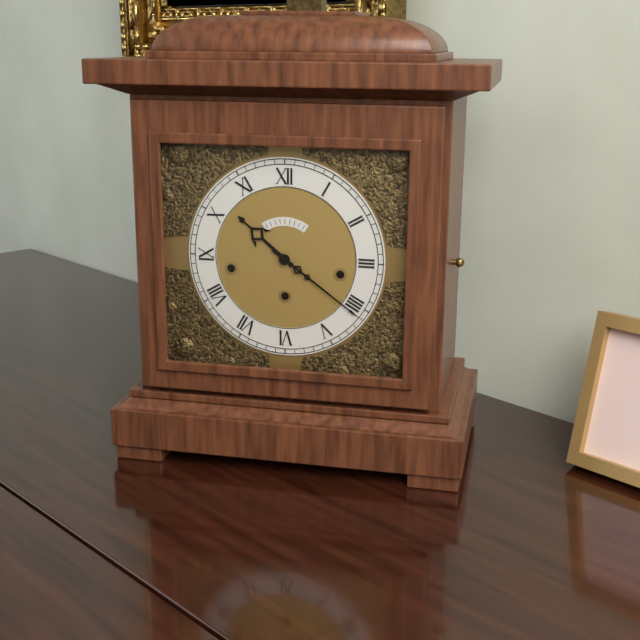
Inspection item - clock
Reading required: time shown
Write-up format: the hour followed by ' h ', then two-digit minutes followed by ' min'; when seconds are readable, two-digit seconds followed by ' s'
10 h 21 min
